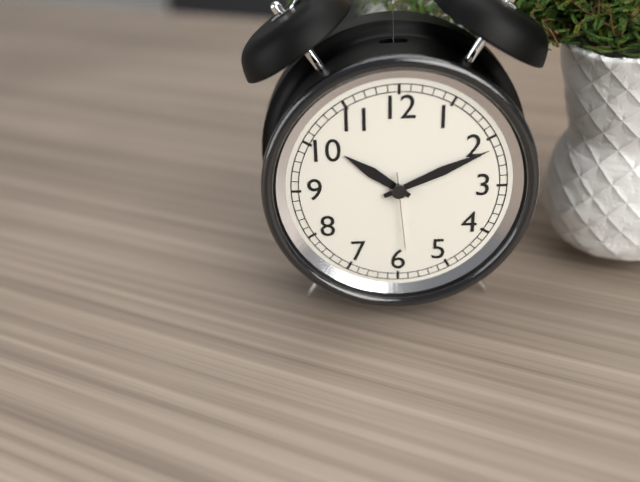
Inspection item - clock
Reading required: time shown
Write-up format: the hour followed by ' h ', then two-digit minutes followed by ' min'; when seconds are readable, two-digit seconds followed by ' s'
10 h 11 min 29 s
